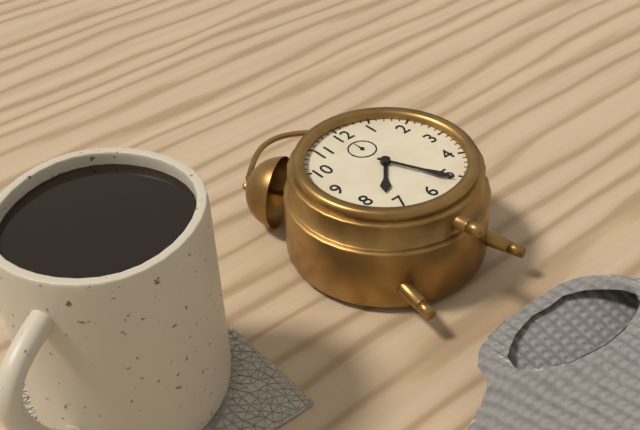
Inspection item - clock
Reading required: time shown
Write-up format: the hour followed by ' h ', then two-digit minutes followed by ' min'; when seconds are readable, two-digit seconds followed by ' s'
7 h 26 min
